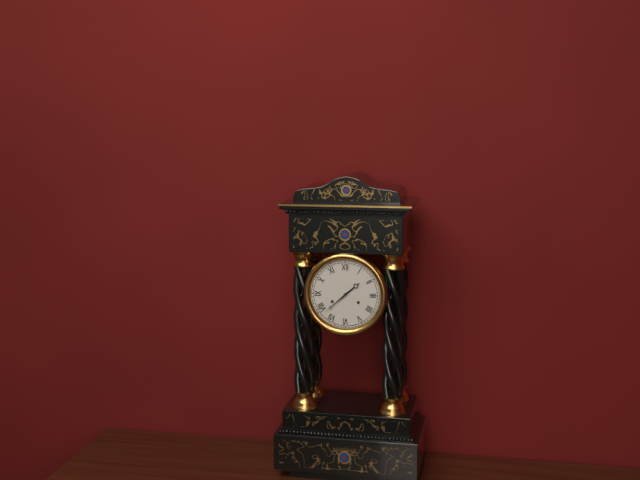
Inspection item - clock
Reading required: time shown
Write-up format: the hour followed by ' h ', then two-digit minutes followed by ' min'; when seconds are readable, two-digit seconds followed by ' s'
1 h 38 min
